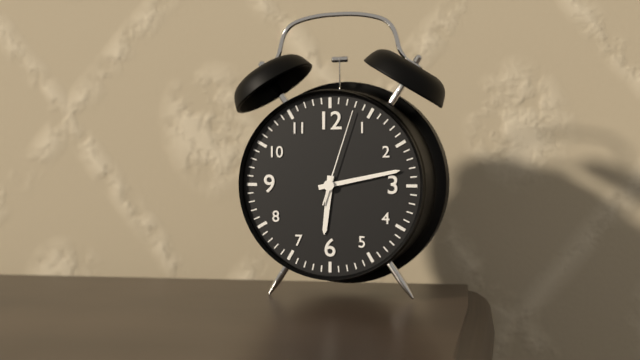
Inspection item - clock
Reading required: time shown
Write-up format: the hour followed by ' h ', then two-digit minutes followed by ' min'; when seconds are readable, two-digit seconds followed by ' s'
6 h 13 min 03 s
